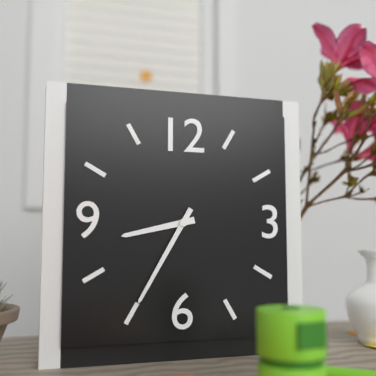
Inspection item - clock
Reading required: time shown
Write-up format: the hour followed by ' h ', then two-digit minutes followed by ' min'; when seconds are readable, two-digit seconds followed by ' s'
8 h 35 min
